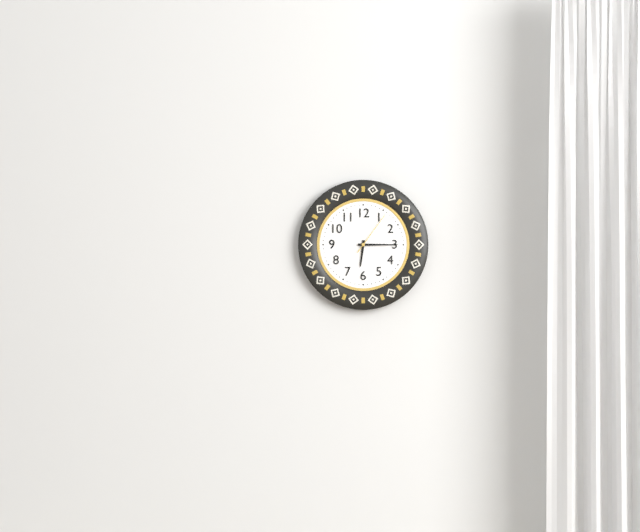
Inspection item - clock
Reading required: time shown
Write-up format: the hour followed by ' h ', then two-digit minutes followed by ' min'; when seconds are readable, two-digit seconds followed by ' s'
6 h 15 min
